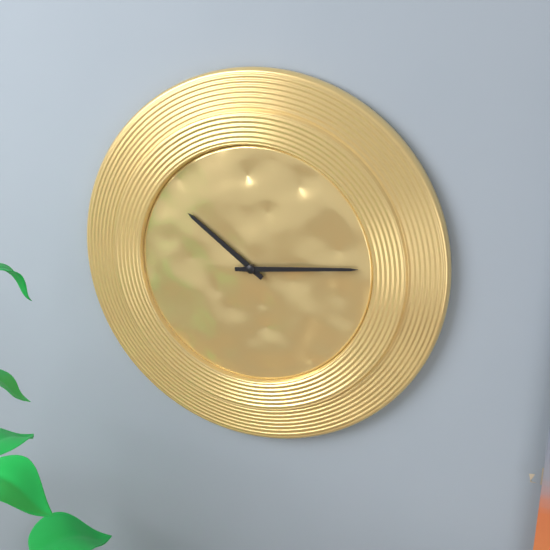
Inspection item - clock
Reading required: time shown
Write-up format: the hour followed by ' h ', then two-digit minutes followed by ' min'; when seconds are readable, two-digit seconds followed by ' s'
10 h 14 min
